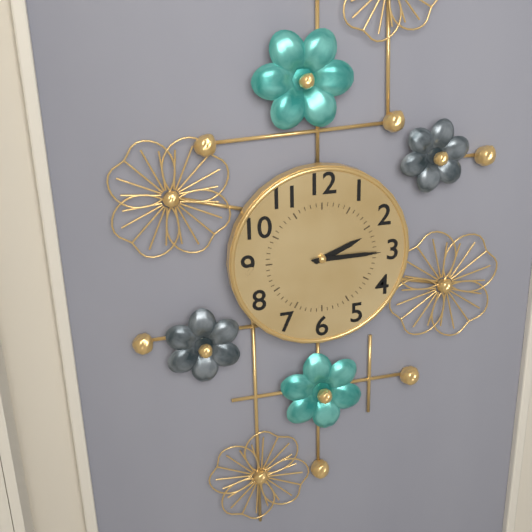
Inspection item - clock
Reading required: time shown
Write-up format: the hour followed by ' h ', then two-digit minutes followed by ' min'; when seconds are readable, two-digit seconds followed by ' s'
2 h 15 min
